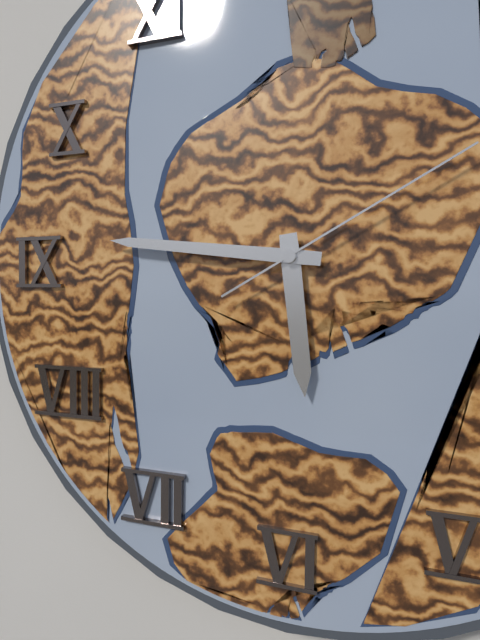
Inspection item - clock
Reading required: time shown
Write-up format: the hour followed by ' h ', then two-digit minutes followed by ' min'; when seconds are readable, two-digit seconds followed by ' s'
5 h 46 min 10 s
